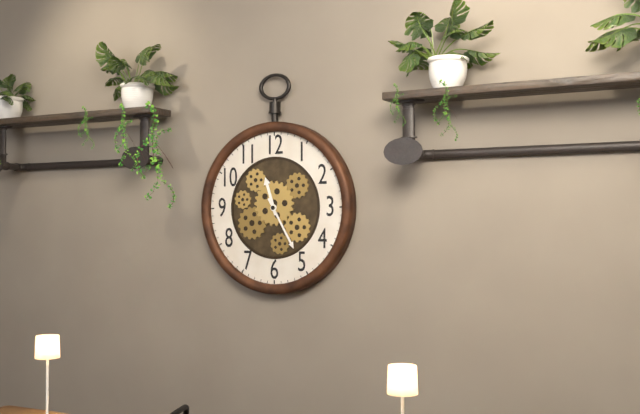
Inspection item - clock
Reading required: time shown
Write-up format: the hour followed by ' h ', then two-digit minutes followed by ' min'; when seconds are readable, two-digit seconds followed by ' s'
11 h 25 min
